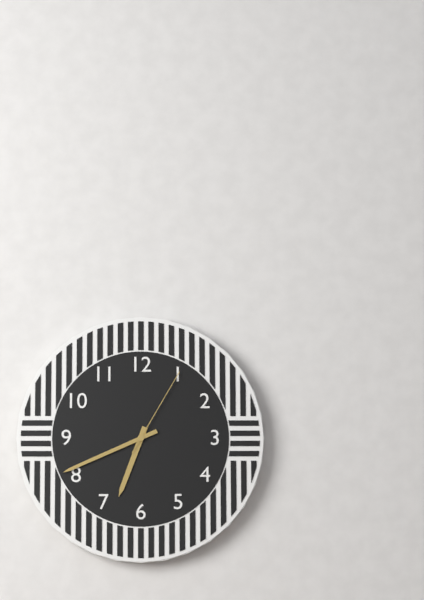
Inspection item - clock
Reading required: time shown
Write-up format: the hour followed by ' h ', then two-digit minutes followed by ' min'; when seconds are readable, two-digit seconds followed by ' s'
6 h 41 min 05 s
